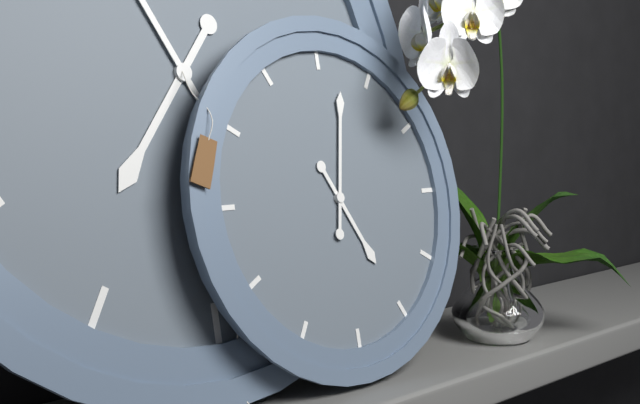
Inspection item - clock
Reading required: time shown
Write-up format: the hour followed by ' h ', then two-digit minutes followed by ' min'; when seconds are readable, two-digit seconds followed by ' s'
5 h 02 min
